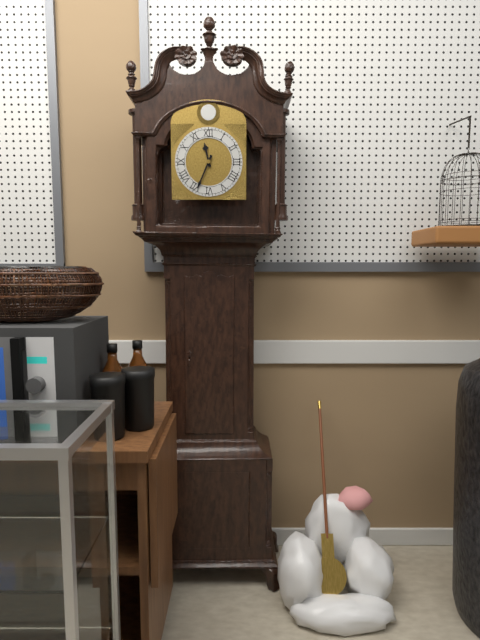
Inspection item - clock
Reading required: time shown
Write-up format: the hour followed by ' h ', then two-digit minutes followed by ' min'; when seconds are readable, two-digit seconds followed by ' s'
11 h 34 min
